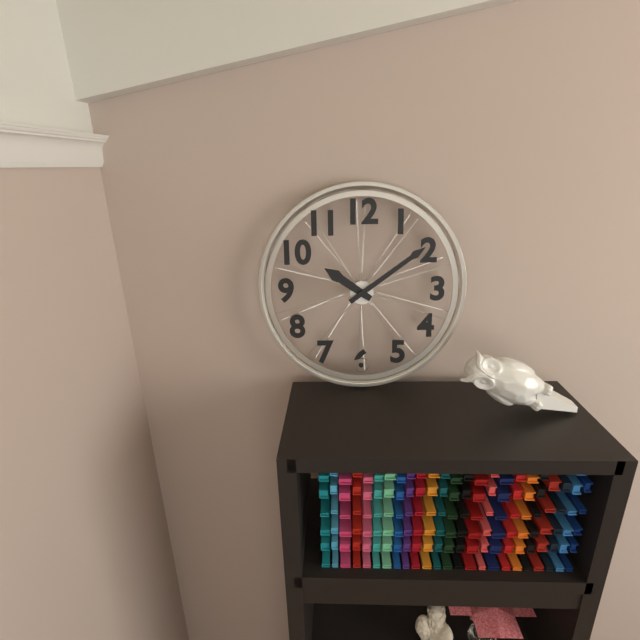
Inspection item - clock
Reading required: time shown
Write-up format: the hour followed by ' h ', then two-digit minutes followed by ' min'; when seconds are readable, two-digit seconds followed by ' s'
10 h 09 min
